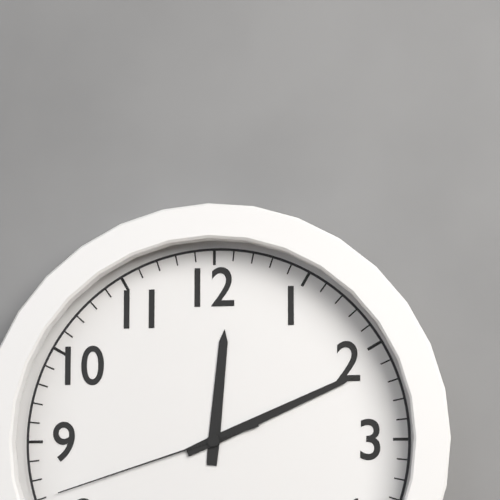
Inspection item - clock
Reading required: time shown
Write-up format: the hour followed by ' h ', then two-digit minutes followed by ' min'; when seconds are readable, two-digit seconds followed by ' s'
12 h 11 min 42 s
